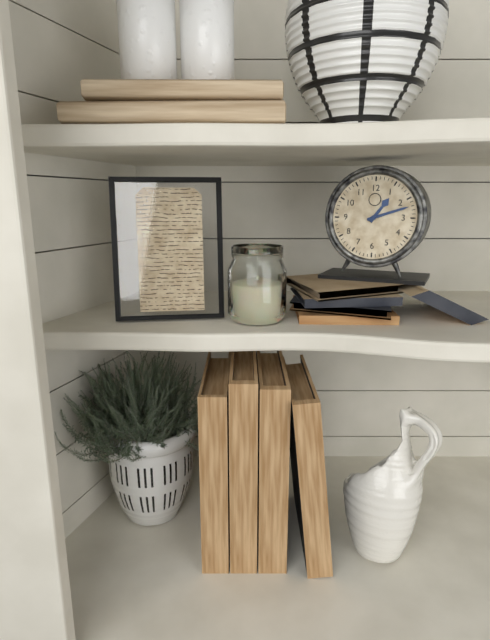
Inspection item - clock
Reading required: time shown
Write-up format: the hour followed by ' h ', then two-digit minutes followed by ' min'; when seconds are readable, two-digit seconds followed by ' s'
1 h 12 min
